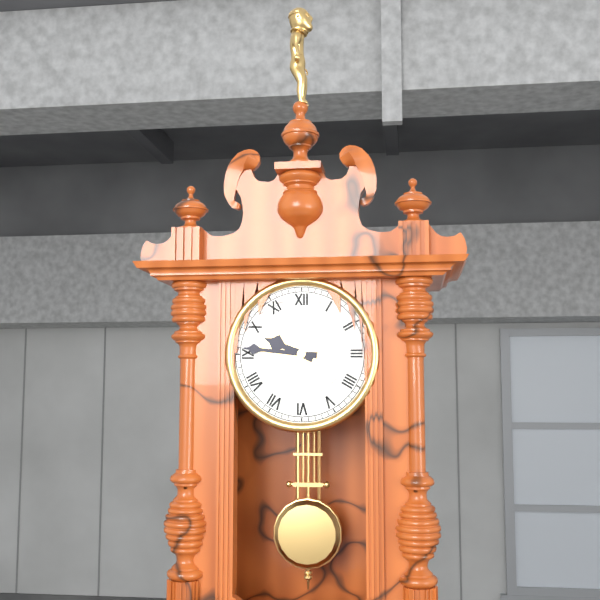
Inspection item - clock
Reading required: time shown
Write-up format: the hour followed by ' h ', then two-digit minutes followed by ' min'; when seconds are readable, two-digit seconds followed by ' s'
9 h 46 min
